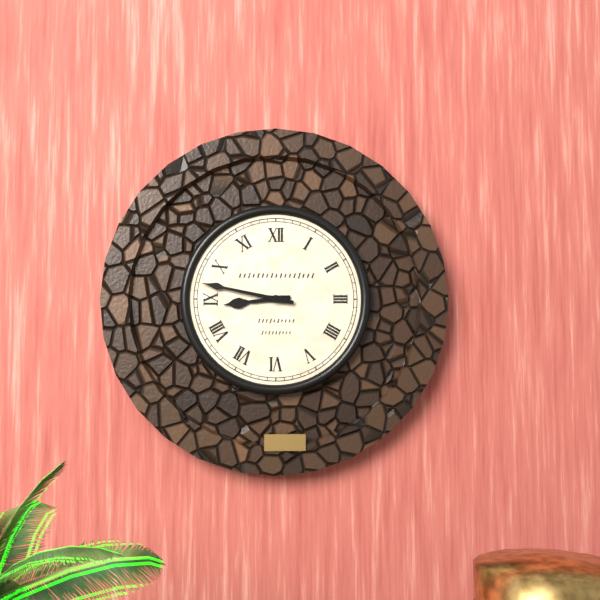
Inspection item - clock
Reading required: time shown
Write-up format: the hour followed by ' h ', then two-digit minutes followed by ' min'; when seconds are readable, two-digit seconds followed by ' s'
8 h 47 min
